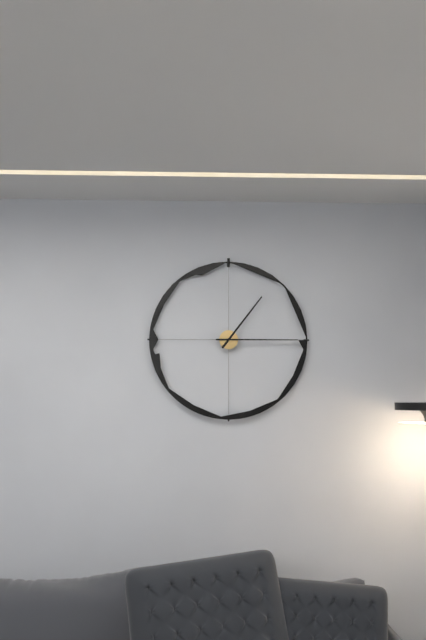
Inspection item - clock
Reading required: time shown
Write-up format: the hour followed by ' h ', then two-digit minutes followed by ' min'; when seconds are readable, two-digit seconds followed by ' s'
1 h 15 min
